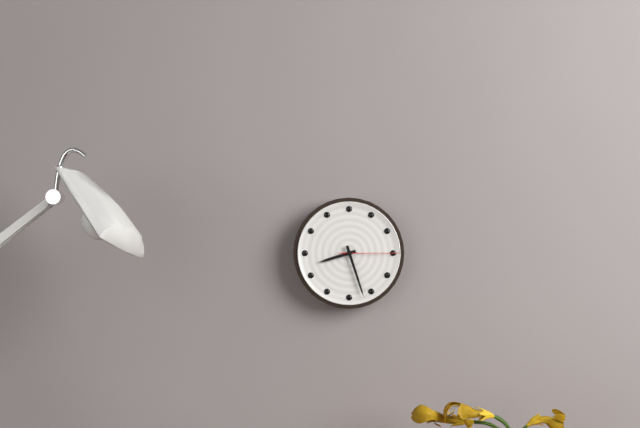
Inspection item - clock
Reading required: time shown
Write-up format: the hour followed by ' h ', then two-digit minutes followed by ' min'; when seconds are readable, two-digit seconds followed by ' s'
8 h 27 min 15 s
